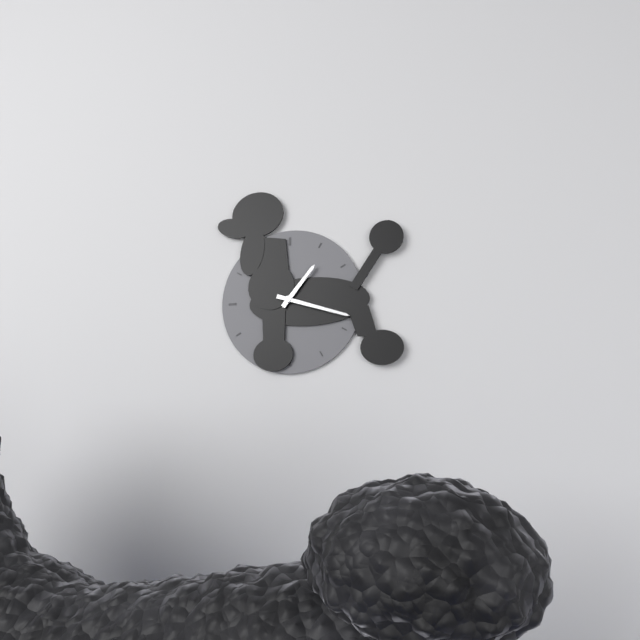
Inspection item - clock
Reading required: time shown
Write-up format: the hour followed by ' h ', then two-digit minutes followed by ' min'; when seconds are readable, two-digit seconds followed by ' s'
1 h 18 min
